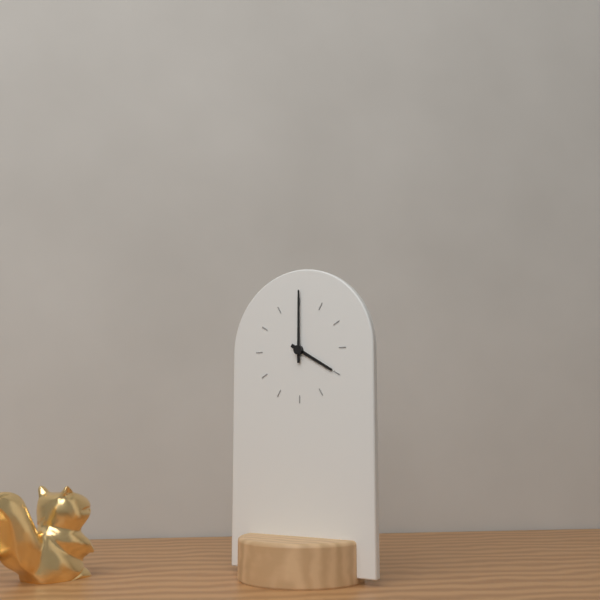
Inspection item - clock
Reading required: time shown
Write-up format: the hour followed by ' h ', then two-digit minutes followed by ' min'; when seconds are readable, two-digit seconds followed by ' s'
4 h 00 min
